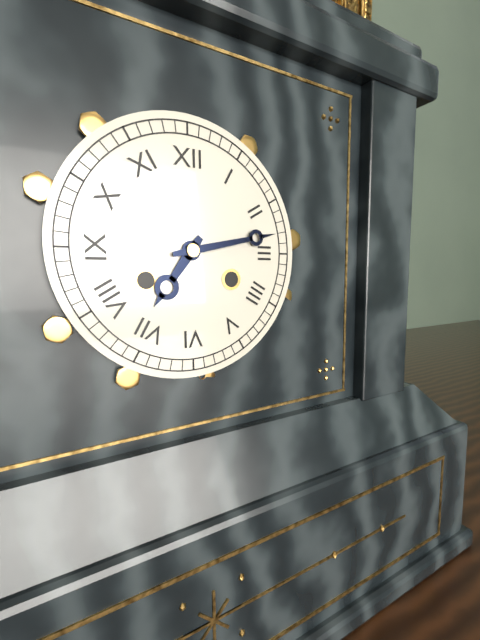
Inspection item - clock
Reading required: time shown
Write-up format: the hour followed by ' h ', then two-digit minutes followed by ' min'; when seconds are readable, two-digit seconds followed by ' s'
7 h 13 min
